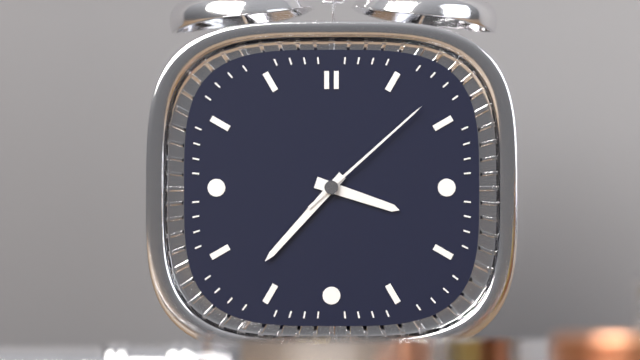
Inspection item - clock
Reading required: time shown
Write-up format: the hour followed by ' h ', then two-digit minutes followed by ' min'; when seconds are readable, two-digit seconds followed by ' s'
3 h 37 min 08 s
